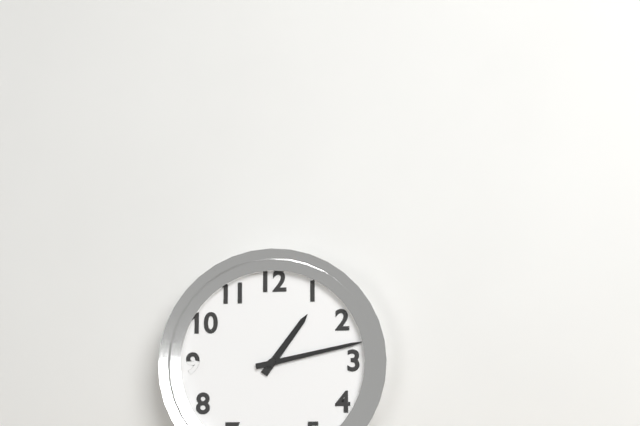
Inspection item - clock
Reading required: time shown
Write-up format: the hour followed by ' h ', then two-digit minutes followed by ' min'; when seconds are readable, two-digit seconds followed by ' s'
1 h 13 min
